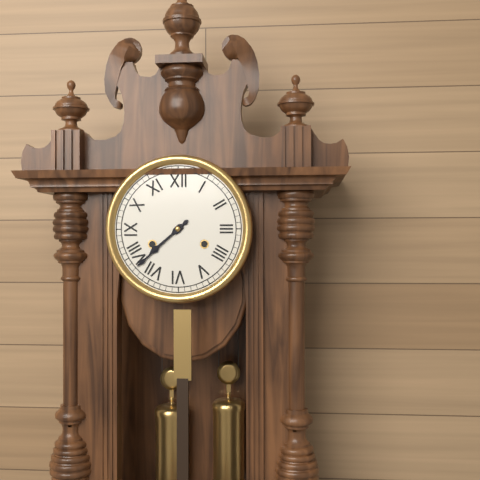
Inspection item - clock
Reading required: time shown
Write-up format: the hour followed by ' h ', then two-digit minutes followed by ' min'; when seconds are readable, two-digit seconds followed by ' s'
7 h 38 min
